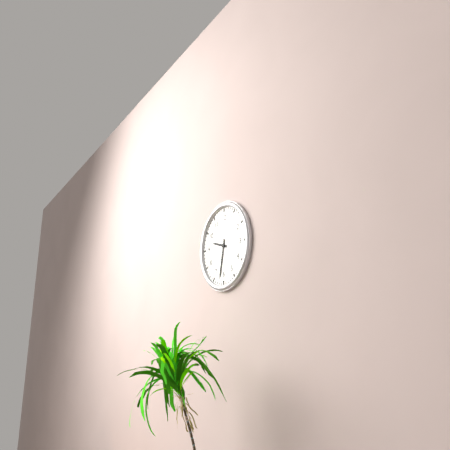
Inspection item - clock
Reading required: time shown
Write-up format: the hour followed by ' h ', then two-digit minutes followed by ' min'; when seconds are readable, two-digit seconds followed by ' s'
9 h 32 min
